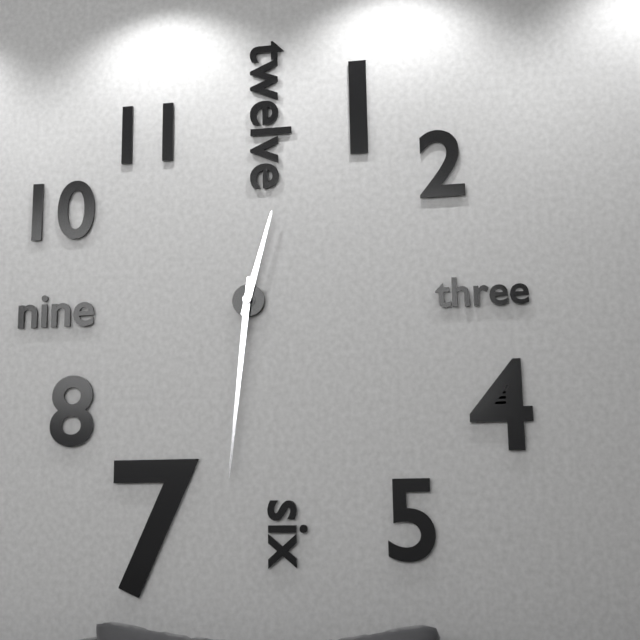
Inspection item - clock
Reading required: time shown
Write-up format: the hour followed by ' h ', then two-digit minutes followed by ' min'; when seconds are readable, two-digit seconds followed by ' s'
12 h 31 min
